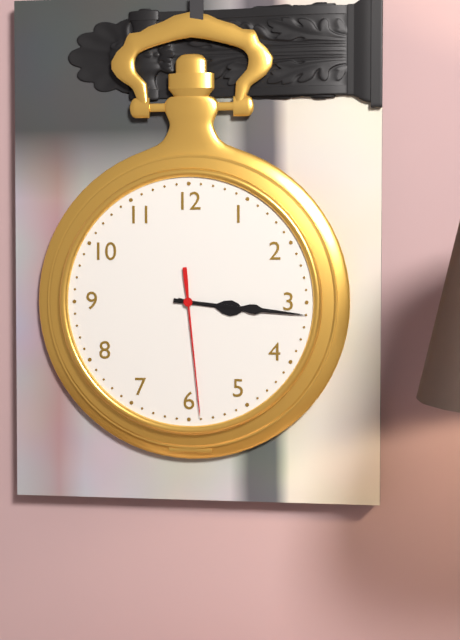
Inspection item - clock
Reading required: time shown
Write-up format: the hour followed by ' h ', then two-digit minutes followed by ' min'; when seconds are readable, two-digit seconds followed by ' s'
3 h 16 min 29 s
